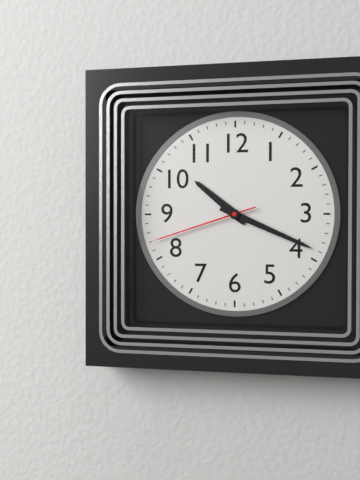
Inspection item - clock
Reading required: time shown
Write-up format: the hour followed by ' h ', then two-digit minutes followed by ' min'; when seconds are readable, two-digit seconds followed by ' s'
10 h 19 min 42 s
